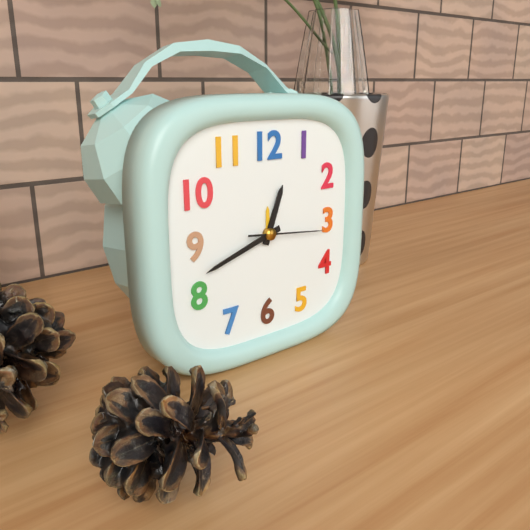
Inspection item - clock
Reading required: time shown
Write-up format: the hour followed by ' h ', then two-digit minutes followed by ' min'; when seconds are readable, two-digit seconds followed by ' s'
12 h 42 min 16 s
